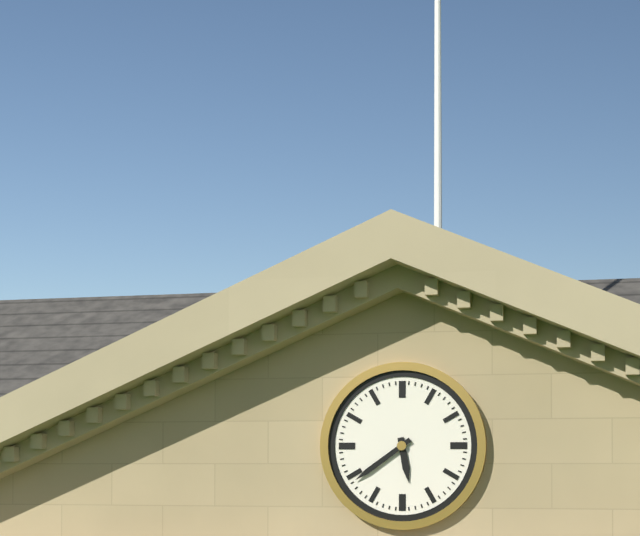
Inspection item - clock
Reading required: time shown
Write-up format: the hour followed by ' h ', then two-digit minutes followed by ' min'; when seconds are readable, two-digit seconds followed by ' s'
5 h 39 min
